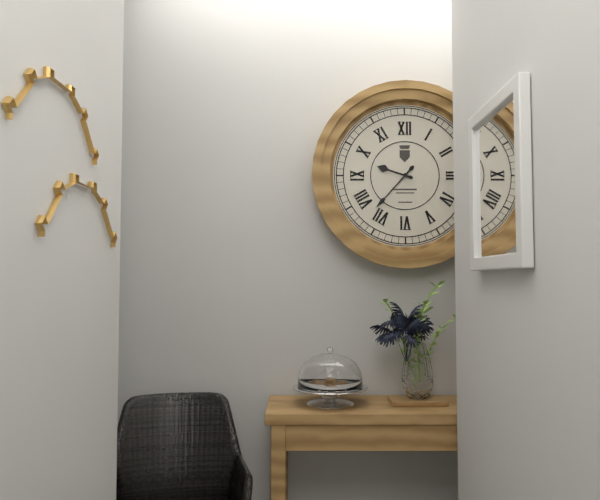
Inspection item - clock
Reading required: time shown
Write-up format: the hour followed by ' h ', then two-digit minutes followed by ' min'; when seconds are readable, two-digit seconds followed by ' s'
9 h 37 min
